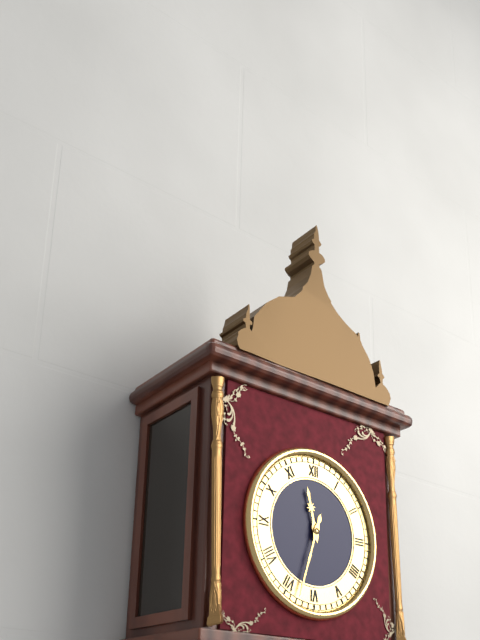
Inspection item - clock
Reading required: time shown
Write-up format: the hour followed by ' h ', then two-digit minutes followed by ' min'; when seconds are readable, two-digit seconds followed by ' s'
11 h 33 min
